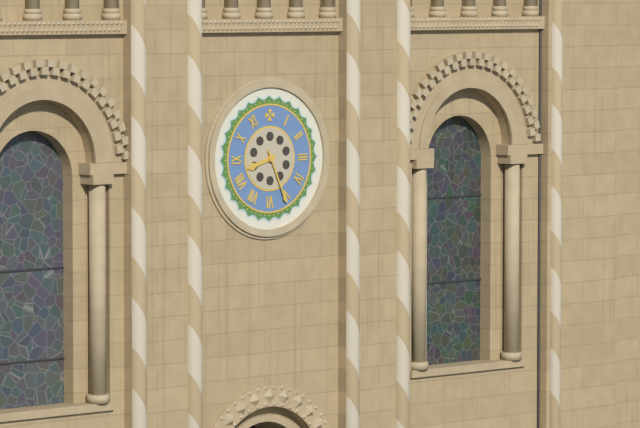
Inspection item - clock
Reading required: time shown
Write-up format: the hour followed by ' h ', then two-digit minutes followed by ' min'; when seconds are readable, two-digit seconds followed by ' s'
8 h 26 min
